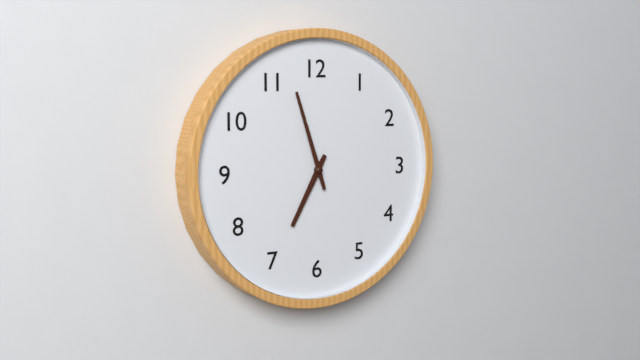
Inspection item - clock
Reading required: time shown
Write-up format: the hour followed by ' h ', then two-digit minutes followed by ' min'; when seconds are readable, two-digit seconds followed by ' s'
6 h 57 min
